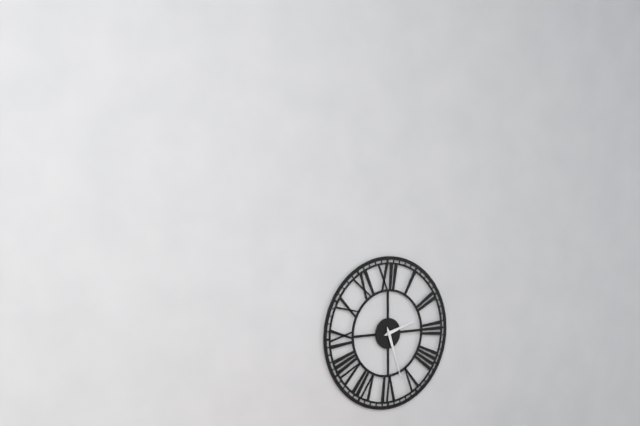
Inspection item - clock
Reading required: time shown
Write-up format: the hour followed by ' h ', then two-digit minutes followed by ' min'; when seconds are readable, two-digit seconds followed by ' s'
2 h 27 min
